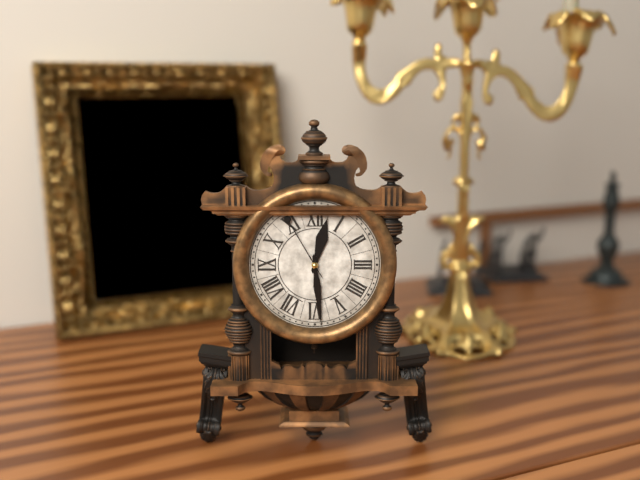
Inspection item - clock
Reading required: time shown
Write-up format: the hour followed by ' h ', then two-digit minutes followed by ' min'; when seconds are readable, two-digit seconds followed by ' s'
12 h 29 min 55 s
